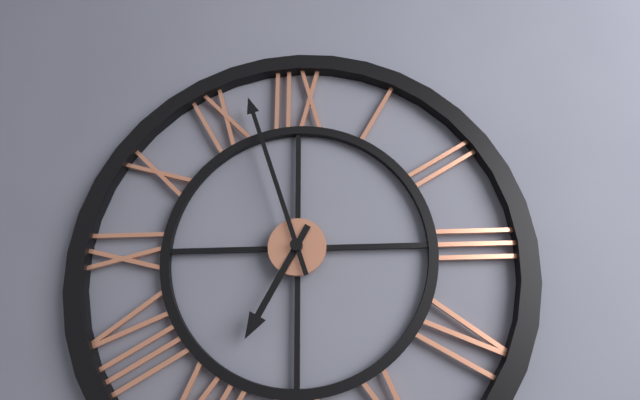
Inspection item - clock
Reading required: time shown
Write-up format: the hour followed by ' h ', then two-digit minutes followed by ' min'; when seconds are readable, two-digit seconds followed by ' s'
6 h 57 min
